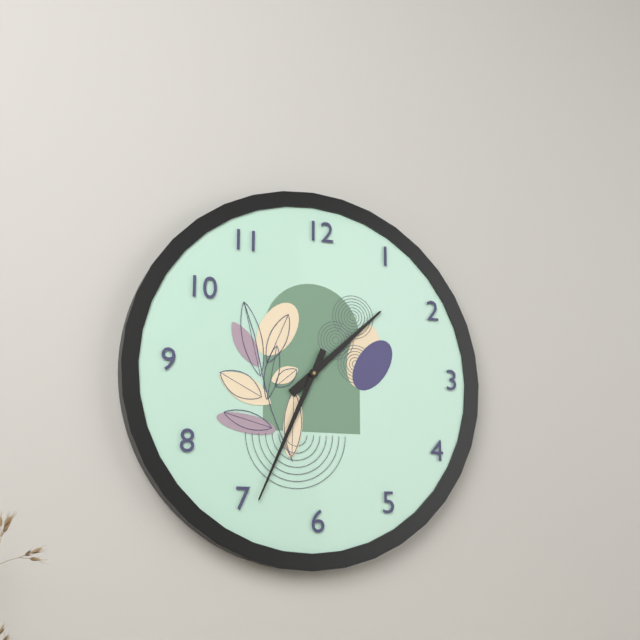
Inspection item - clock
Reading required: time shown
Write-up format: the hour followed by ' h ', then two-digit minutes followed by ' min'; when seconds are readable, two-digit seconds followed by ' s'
1 h 34 min
